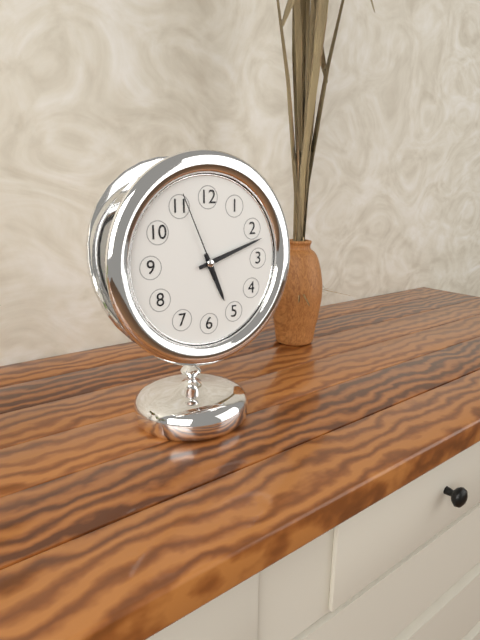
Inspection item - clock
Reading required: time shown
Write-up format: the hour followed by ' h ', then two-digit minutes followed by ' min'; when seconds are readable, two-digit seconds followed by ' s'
5 h 12 min 56 s
